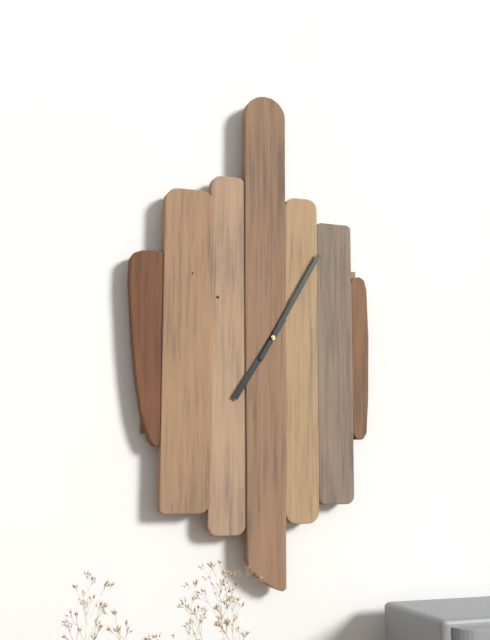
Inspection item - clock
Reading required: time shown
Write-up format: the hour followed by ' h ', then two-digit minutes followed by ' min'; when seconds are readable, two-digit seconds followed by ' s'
7 h 05 min
